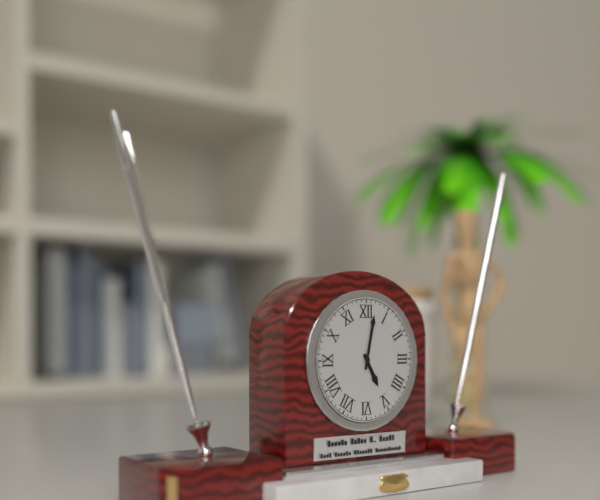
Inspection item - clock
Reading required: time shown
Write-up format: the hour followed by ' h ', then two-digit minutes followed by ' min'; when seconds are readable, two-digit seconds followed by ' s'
5 h 02 min
